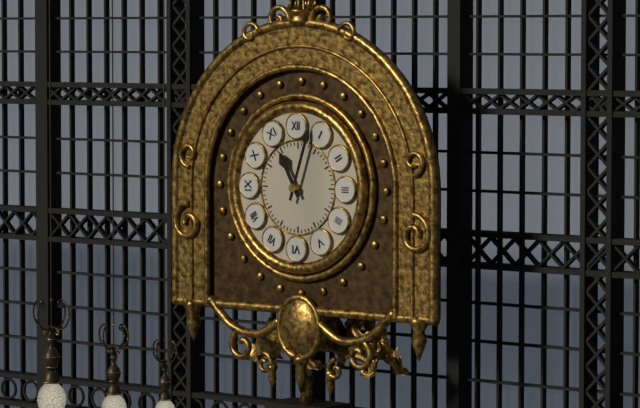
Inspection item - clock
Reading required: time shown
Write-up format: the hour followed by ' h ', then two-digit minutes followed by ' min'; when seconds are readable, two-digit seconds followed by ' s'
11 h 03 min
